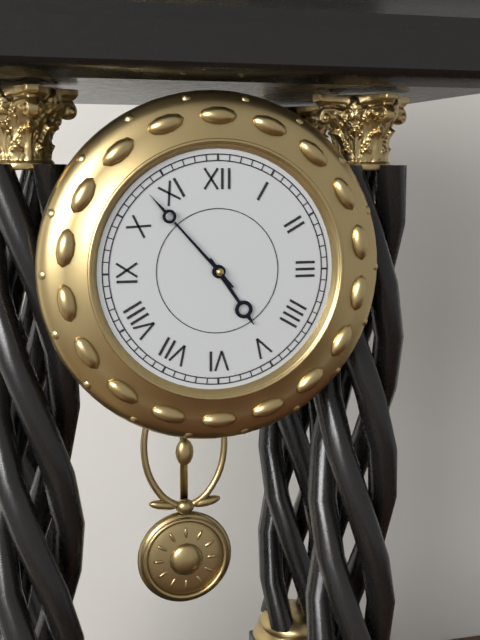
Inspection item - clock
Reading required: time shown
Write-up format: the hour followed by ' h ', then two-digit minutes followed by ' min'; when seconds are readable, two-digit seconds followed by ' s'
4 h 53 min
